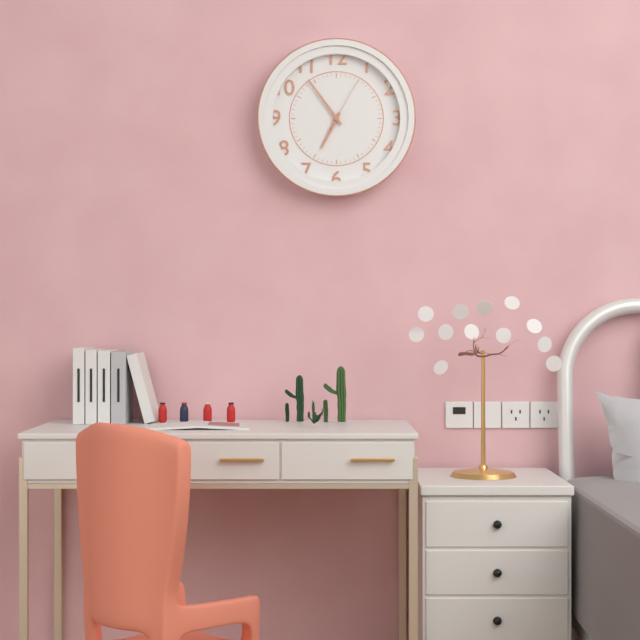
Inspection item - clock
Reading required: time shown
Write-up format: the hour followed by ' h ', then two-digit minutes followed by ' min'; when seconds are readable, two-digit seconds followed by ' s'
6 h 54 min 05 s
